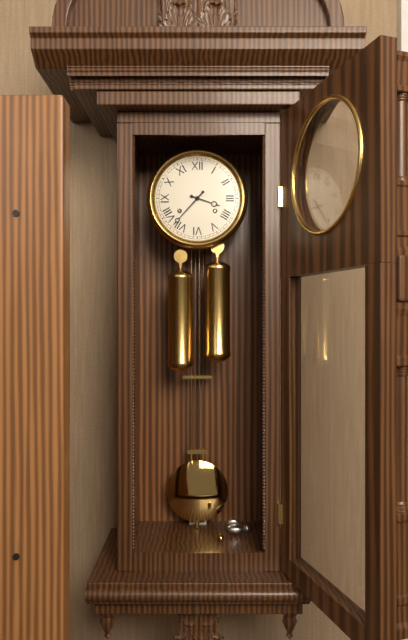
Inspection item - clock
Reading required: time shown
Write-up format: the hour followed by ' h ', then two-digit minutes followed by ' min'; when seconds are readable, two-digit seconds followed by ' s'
3 h 37 min
